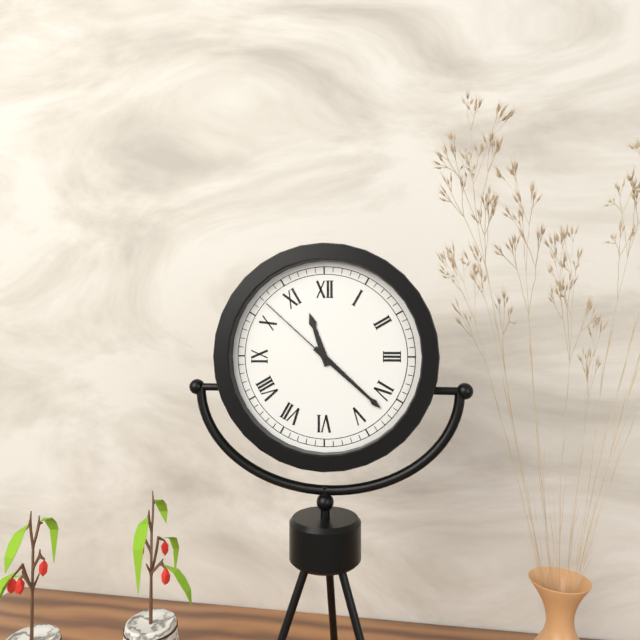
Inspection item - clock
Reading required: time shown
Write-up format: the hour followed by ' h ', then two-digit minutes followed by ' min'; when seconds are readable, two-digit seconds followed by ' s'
11 h 22 min 52 s
